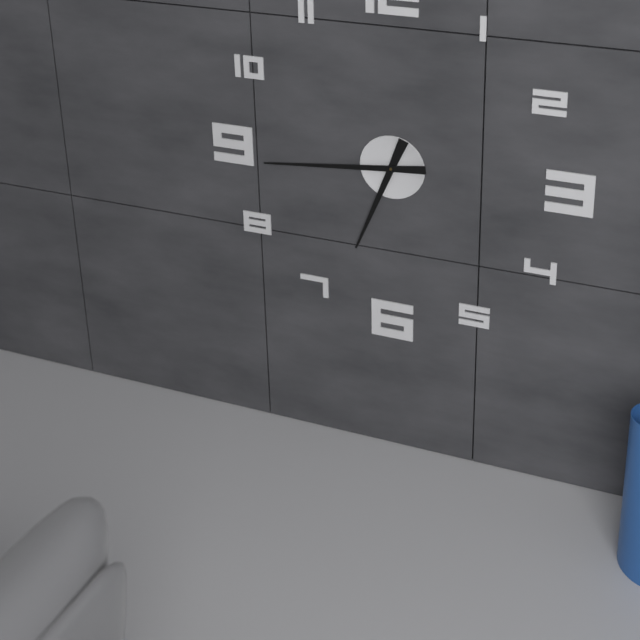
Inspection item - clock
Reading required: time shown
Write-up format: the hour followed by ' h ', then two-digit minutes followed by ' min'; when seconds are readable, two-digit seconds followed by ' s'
6 h 44 min
